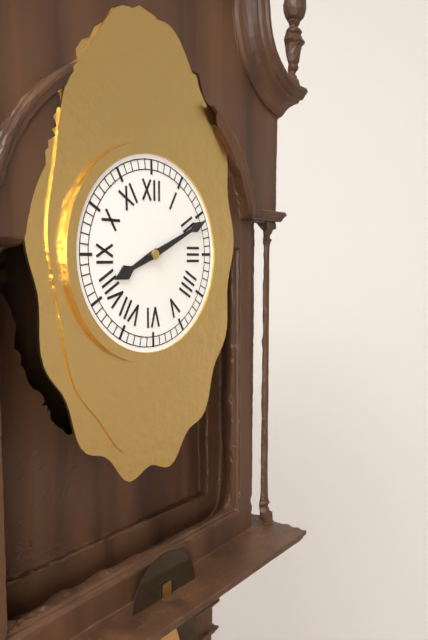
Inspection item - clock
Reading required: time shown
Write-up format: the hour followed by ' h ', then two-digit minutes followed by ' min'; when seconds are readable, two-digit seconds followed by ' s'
8 h 11 min
